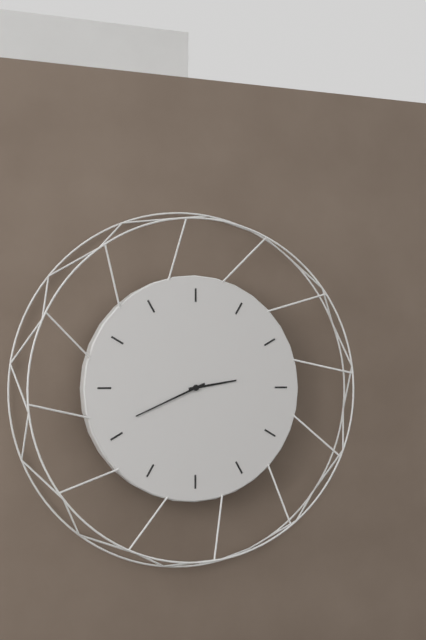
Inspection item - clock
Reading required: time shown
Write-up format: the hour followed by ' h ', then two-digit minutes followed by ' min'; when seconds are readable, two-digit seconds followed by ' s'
2 h 41 min
